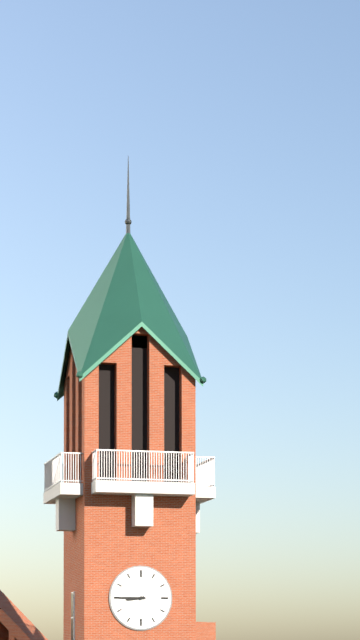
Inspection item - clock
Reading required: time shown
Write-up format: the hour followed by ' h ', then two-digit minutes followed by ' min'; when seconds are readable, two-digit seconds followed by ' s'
8 h 45 min
